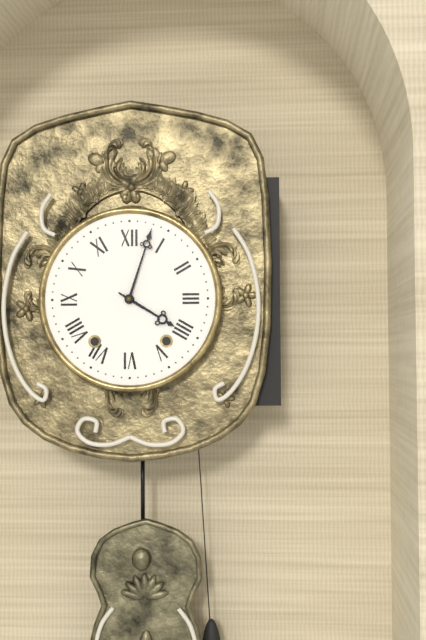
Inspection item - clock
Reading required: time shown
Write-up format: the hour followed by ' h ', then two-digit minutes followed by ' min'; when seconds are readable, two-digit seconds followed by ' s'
4 h 03 min
